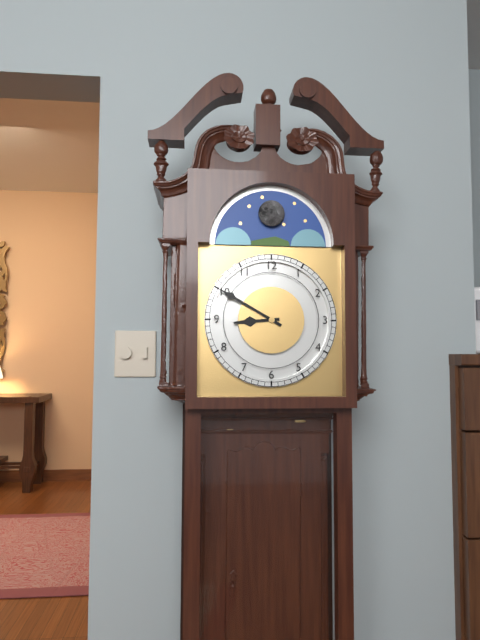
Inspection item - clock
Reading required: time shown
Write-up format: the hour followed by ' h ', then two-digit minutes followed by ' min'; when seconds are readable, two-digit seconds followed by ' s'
8 h 50 min
